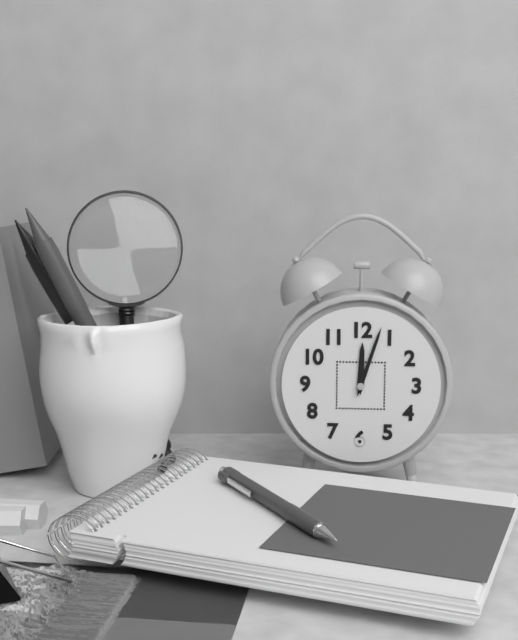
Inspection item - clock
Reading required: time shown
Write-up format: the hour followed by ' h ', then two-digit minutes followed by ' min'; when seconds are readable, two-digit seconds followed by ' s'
12 h 03 min
